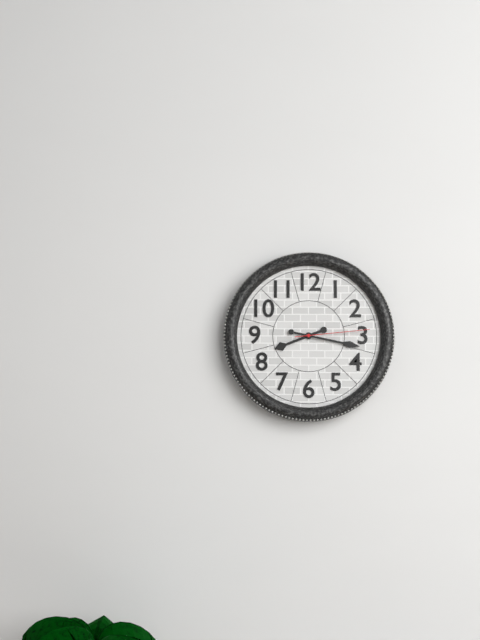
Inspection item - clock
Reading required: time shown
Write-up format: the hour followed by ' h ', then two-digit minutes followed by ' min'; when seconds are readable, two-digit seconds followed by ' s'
8 h 17 min 14 s
